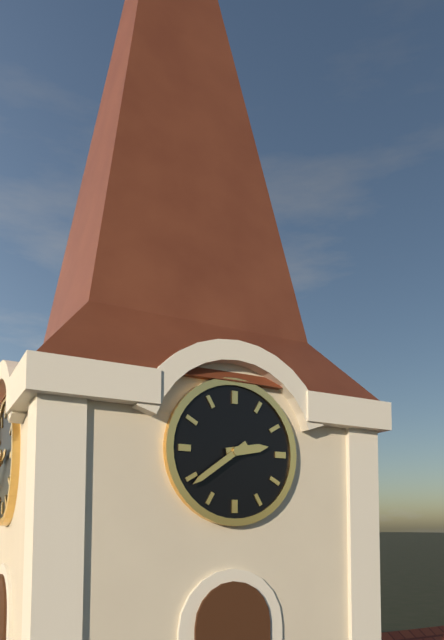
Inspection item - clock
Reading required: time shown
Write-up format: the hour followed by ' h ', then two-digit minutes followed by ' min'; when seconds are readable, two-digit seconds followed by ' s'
2 h 39 min
